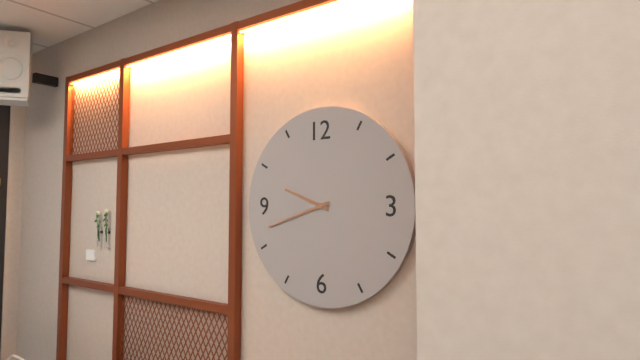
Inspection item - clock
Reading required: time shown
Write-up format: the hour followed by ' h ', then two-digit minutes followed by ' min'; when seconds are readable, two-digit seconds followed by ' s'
9 h 42 min
